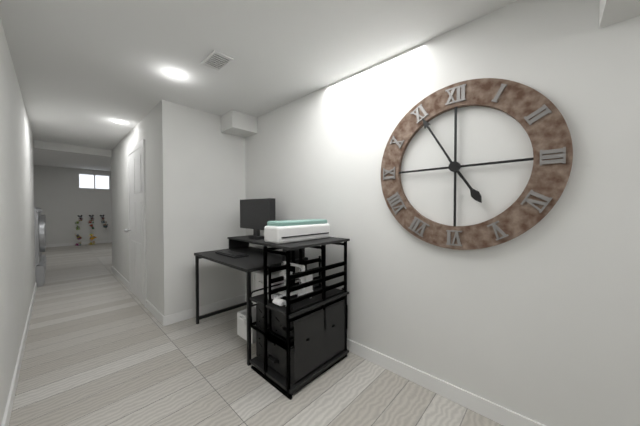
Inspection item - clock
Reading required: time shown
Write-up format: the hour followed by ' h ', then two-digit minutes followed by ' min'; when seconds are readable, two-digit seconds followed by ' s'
4 h 55 min
